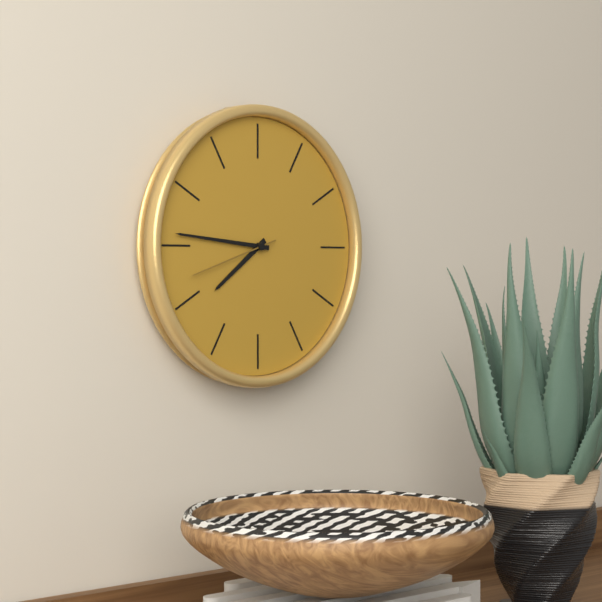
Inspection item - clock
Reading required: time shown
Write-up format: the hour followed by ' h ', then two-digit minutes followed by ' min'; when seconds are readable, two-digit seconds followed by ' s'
7 h 46 min 42 s
